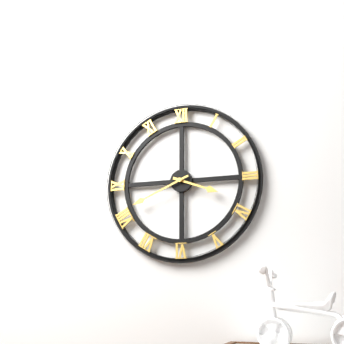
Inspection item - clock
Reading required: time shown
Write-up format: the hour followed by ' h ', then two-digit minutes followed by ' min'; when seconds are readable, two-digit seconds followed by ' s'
3 h 41 min
